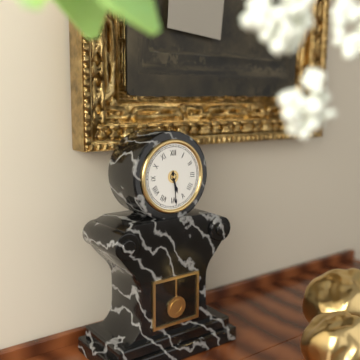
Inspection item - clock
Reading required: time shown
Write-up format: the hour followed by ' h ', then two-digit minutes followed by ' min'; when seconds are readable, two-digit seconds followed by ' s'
5 h 29 min
